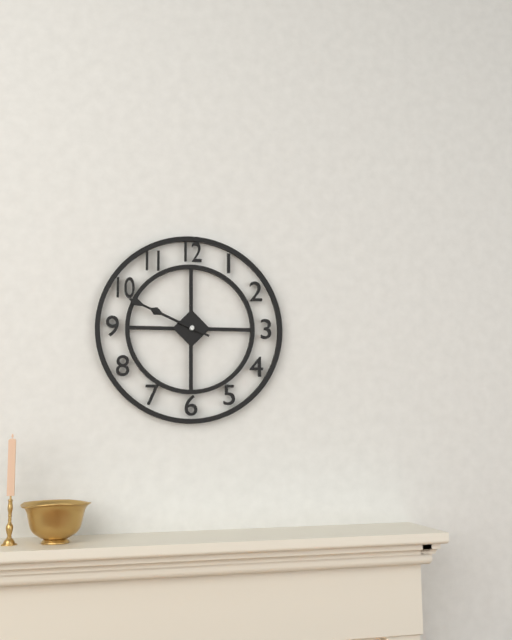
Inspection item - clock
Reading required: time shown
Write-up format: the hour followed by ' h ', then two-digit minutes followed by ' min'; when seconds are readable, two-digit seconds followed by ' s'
9 h 49 min
